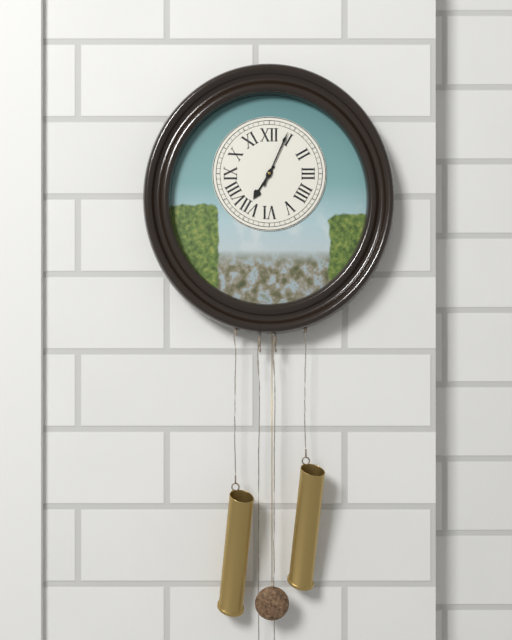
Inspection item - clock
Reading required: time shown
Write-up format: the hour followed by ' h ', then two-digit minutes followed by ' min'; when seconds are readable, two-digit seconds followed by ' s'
7 h 04 min
